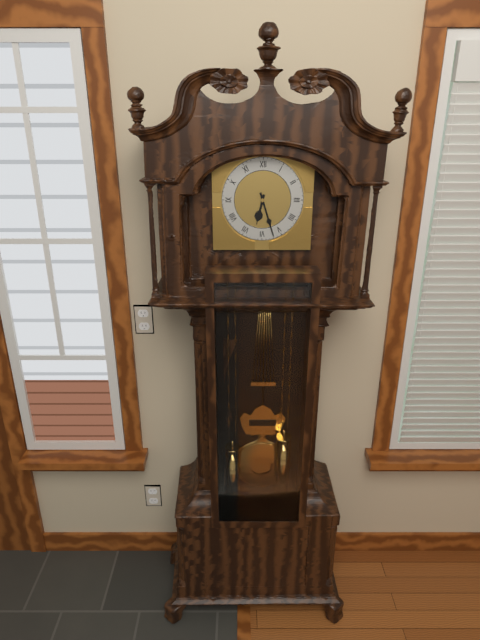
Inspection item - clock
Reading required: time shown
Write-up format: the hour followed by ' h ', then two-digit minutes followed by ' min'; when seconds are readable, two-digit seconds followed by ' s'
6 h 27 min
